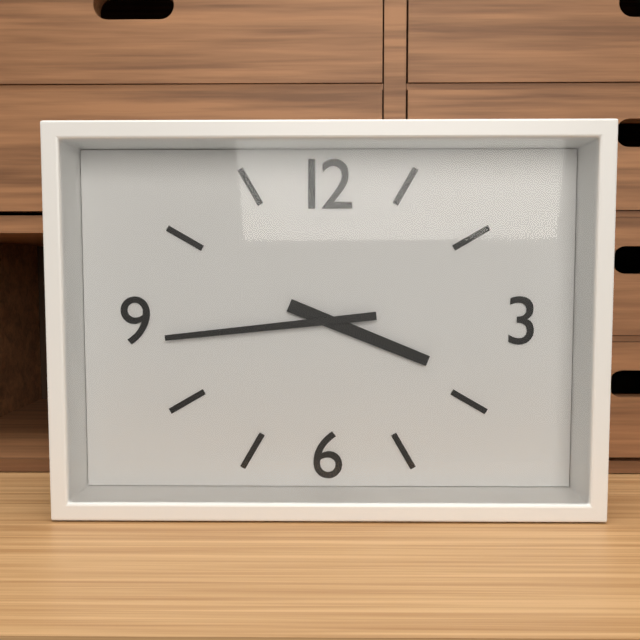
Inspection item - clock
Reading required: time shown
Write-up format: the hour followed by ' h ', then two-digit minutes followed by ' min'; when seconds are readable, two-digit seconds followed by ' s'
3 h 44 min
